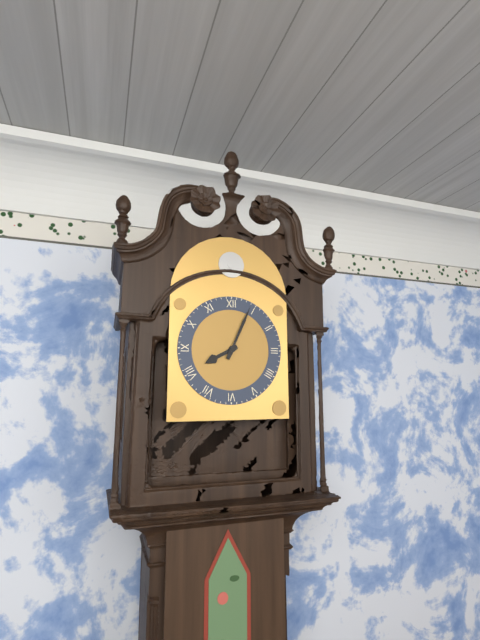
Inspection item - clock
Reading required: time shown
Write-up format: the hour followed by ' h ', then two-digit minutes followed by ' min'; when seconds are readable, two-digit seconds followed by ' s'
8 h 04 min
